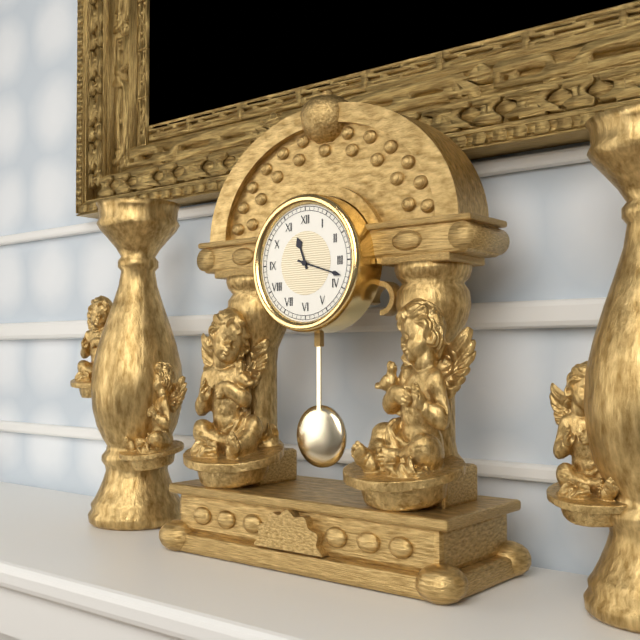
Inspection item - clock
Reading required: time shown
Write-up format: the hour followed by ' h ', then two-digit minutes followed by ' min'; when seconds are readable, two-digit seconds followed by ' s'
11 h 18 min
